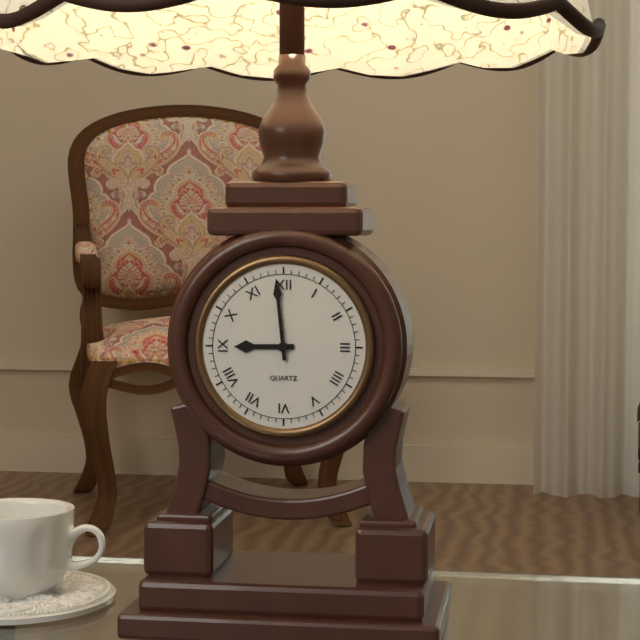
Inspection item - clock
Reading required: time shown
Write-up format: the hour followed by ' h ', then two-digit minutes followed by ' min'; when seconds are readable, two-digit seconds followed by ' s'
8 h 59 min
